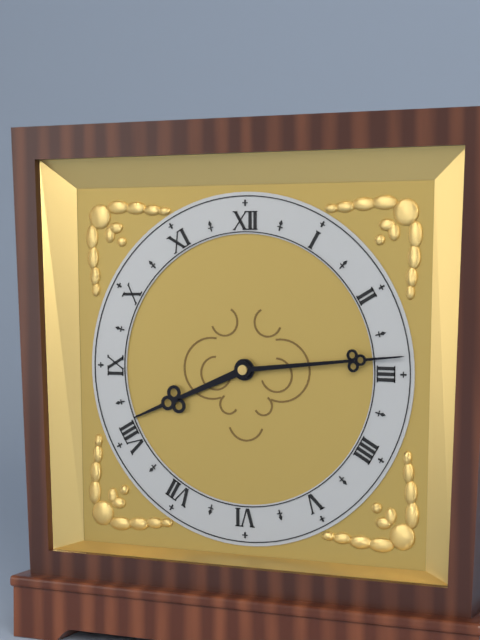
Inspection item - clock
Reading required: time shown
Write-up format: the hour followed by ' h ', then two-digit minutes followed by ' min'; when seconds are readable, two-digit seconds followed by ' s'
8 h 14 min
